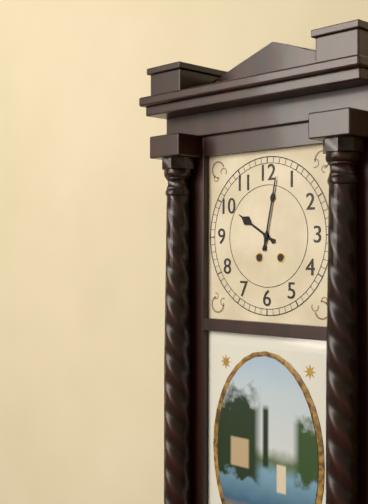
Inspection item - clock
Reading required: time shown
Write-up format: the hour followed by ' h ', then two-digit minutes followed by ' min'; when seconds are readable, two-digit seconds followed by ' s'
10 h 02 min
